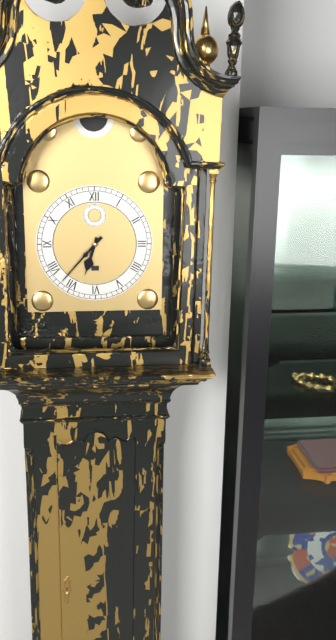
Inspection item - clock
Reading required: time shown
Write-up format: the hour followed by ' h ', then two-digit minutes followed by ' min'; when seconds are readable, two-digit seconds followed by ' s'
6 h 37 min
